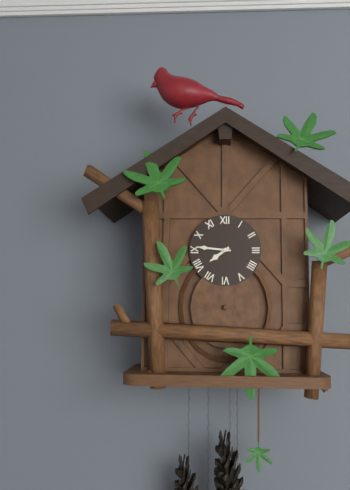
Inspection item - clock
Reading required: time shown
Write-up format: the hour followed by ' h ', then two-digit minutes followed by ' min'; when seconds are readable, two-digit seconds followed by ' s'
7 h 46 min
